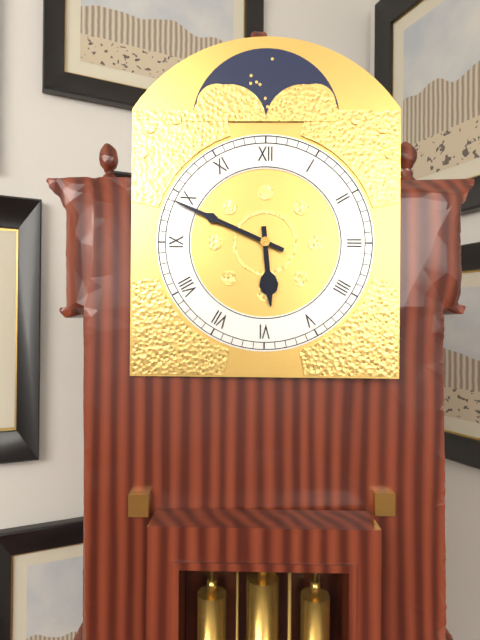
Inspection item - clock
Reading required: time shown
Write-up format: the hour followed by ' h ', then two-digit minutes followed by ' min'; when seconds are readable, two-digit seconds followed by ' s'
5 h 49 min
